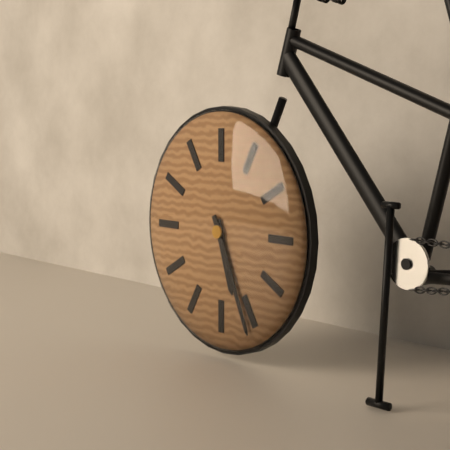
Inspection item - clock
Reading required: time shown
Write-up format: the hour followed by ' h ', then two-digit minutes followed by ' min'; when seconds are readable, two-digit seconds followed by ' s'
5 h 26 min
